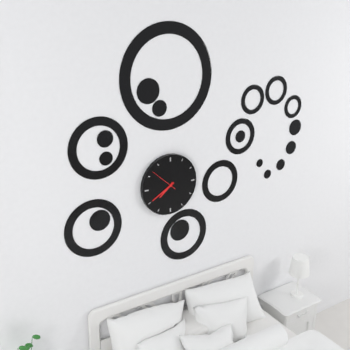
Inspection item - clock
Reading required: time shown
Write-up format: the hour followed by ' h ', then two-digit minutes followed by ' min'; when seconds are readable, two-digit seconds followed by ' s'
7 h 40 min
